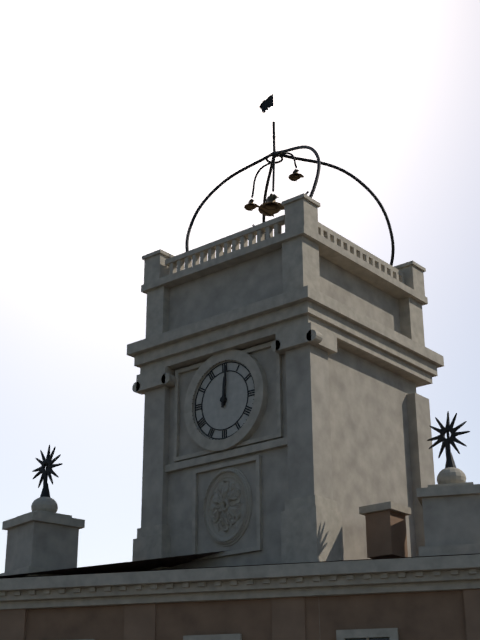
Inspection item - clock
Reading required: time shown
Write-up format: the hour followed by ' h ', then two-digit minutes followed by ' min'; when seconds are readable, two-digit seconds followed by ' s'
12 h 01 min
